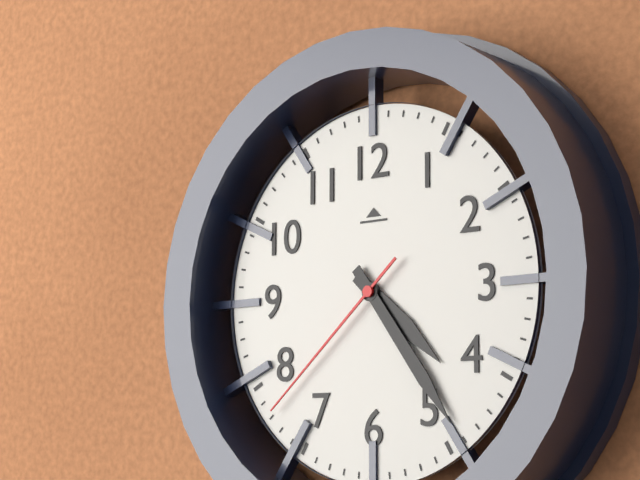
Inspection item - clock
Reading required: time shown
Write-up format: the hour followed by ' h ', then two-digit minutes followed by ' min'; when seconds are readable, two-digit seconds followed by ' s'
4 h 24 min 38 s
